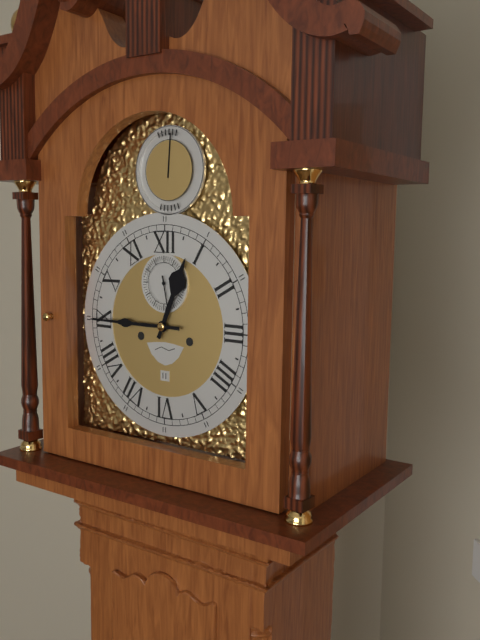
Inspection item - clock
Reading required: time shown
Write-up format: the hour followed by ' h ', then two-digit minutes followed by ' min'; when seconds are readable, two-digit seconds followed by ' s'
12 h 45 min
